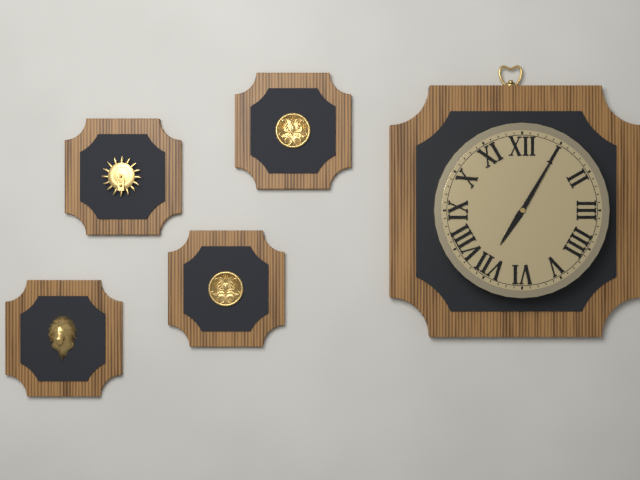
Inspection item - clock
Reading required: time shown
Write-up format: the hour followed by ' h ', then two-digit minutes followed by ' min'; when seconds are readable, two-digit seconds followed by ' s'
7 h 05 min
